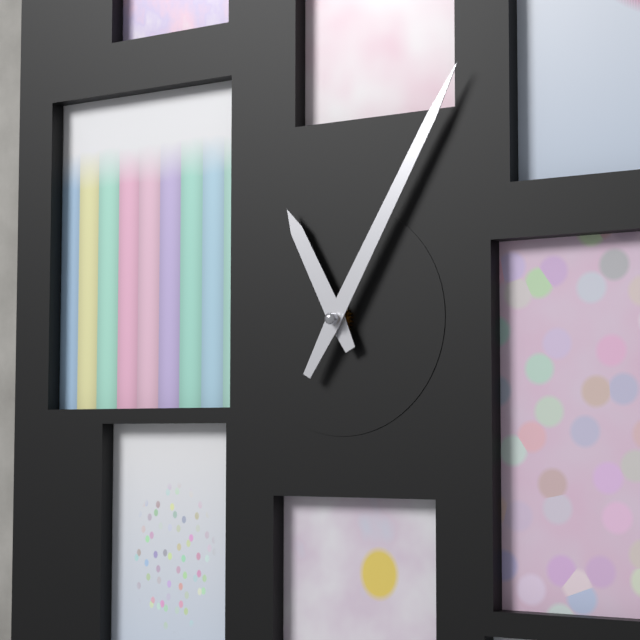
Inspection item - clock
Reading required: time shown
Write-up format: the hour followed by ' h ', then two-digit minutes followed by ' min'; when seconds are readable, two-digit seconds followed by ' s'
11 h 05 min
